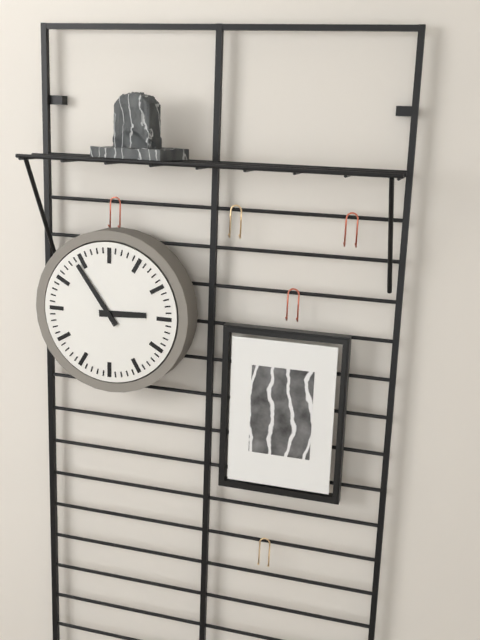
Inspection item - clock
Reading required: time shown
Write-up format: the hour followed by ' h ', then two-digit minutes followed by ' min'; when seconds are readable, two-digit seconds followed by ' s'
2 h 54 min
